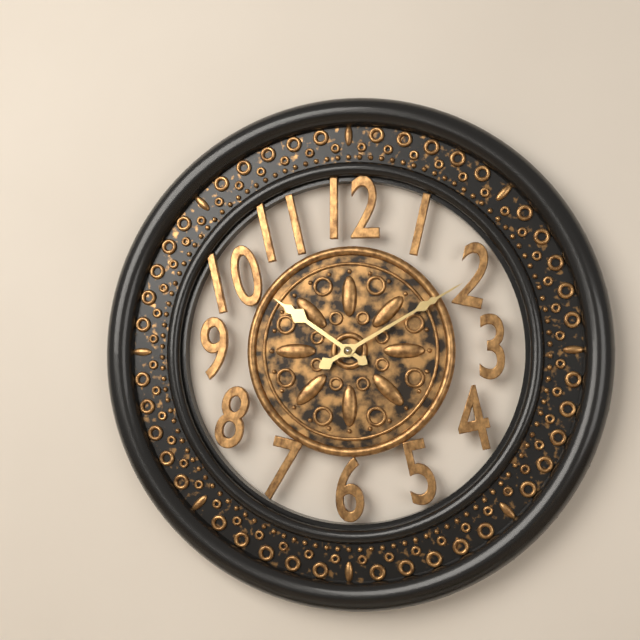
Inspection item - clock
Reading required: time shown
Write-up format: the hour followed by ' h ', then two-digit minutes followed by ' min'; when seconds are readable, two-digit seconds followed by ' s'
10 h 10 min
